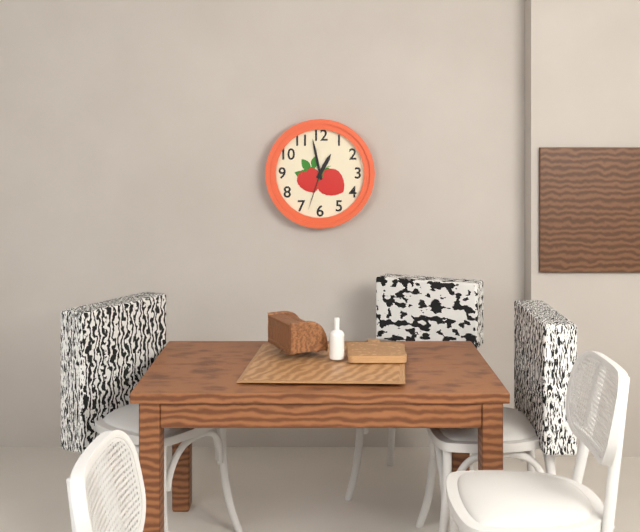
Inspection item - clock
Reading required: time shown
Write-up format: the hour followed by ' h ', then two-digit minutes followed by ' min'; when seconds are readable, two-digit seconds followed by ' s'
12 h 58 min
